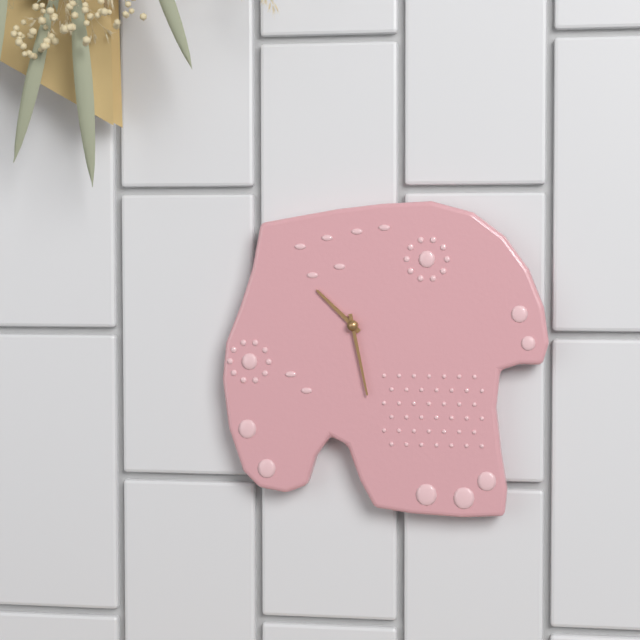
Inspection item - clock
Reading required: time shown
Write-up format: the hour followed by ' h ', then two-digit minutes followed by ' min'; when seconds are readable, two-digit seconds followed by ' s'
10 h 28 min
